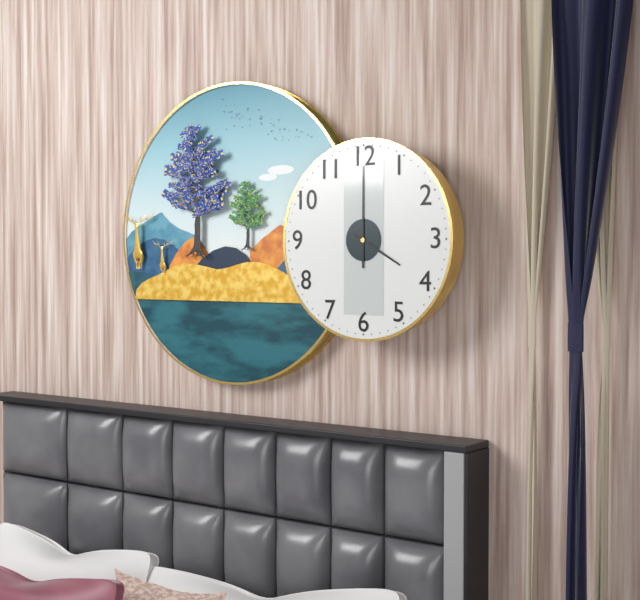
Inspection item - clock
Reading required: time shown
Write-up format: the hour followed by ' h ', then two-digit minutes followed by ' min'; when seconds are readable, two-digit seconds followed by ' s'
4 h 00 min
